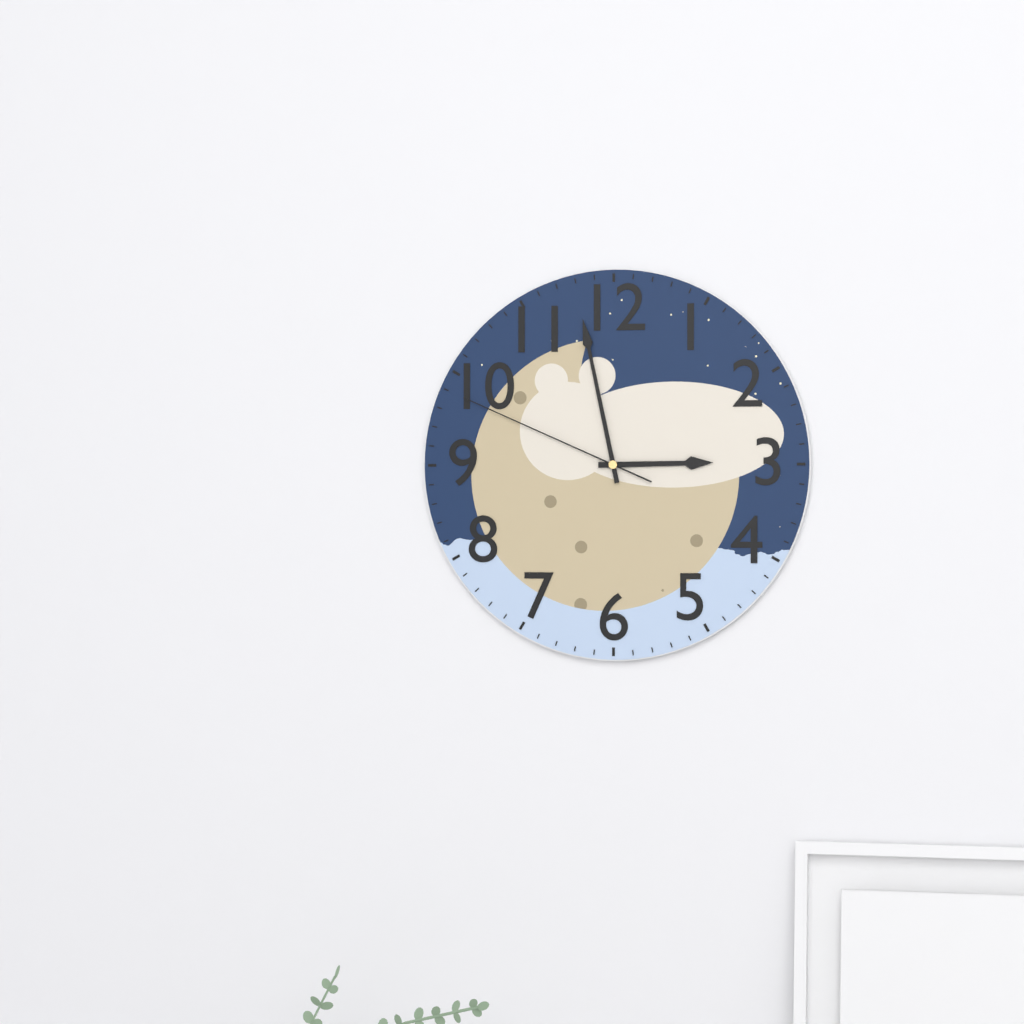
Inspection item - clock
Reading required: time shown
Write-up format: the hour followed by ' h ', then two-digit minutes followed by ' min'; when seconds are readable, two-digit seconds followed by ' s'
2 h 58 min 49 s
